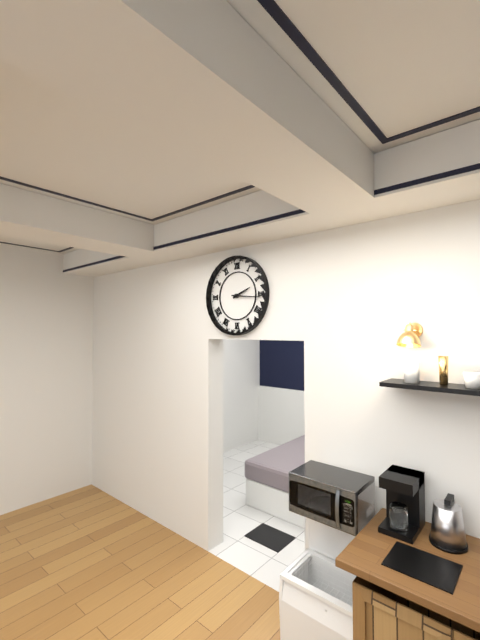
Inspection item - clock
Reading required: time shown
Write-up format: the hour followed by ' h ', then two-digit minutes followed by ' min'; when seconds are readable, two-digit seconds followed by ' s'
2 h 16 min
